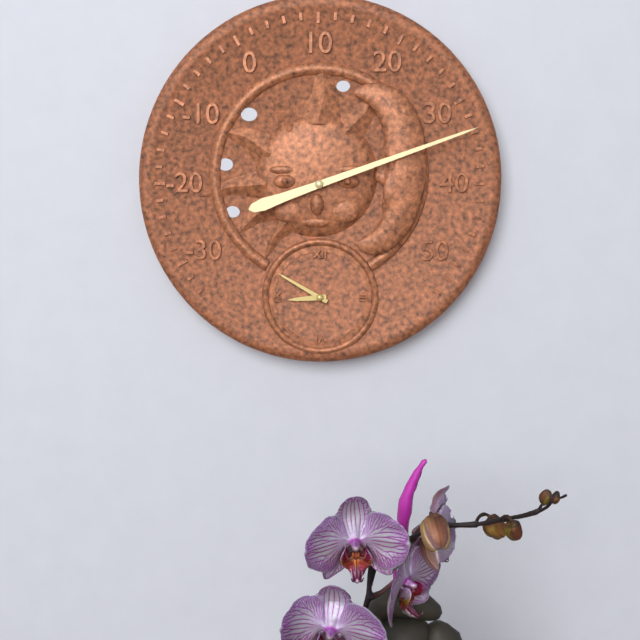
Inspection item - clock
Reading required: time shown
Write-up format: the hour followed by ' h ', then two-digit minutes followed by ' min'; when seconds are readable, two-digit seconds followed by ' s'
8 h 50 min
